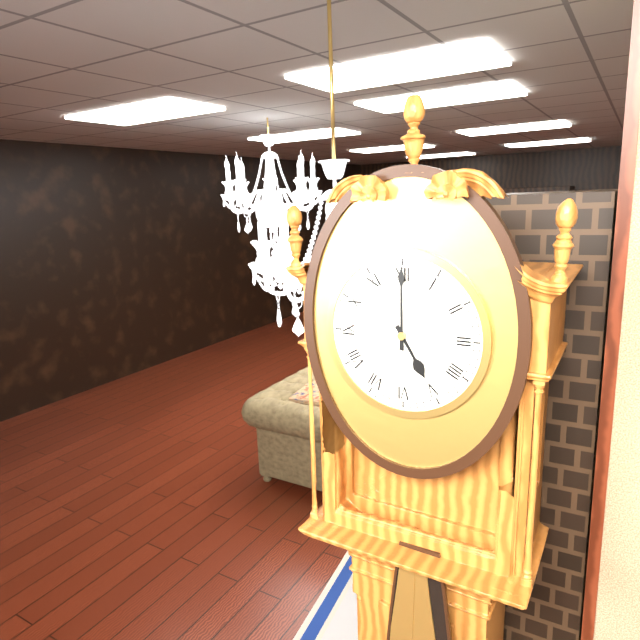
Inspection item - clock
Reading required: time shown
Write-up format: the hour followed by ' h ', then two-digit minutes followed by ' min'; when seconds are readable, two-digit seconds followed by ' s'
5 h 00 min
